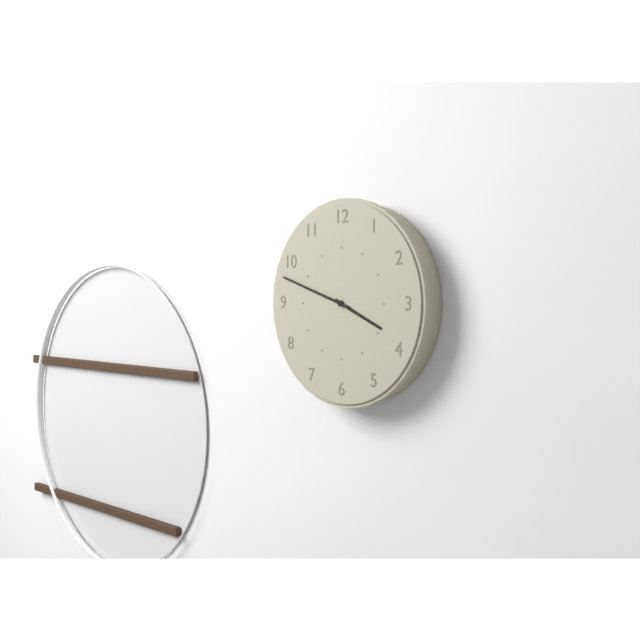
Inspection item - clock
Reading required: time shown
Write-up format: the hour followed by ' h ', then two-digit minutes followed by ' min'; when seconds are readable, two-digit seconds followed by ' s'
3 h 48 min
